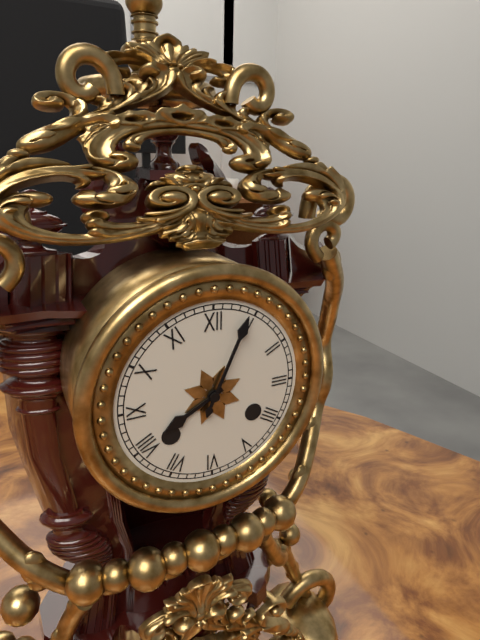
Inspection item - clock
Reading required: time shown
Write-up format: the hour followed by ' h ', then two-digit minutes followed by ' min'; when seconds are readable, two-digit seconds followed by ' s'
8 h 04 min
